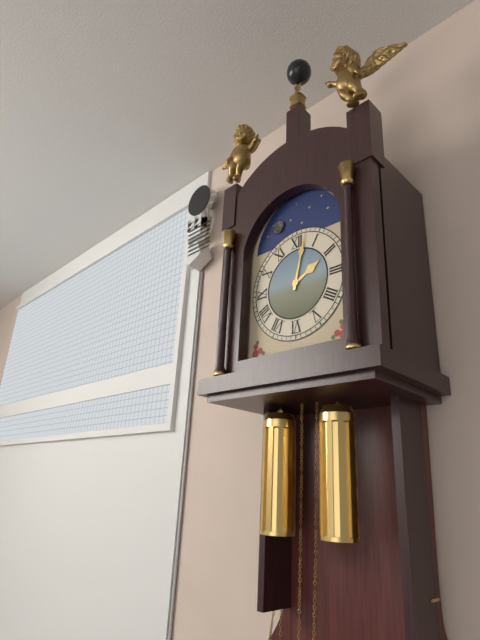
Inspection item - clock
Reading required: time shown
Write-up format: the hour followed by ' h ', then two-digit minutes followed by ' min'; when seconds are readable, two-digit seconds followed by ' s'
2 h 02 min
